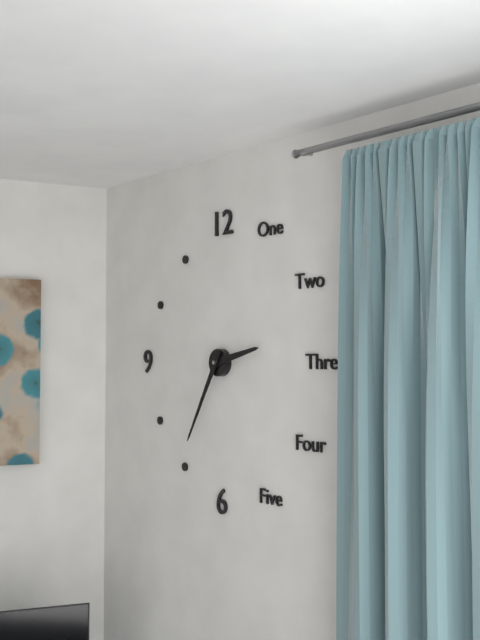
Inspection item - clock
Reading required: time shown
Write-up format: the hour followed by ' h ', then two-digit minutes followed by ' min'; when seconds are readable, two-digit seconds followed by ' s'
2 h 35 min
